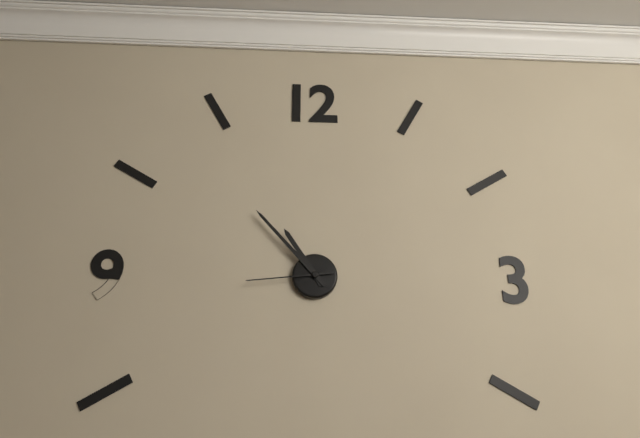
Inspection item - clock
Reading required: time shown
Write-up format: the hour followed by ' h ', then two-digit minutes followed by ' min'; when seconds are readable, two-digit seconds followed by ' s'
10 h 53 min 44 s
